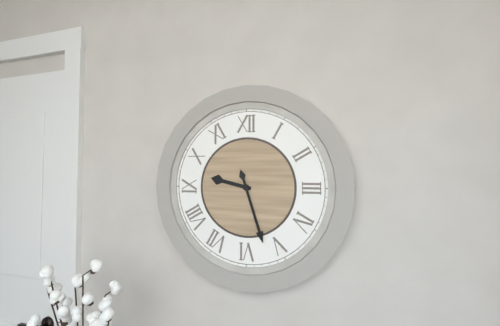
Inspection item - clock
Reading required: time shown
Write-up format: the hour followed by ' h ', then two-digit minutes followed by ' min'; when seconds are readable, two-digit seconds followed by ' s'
9 h 27 min
